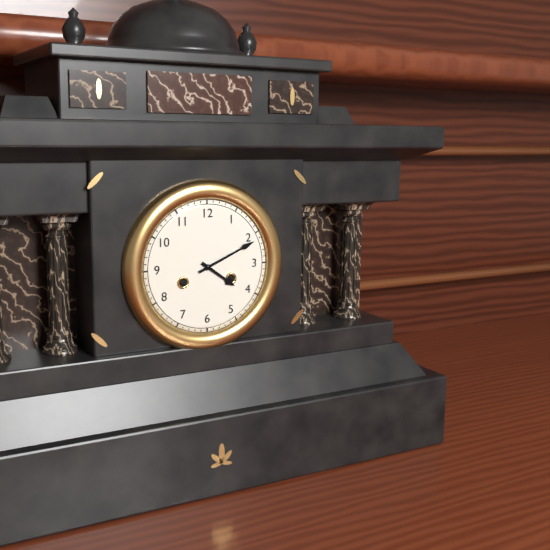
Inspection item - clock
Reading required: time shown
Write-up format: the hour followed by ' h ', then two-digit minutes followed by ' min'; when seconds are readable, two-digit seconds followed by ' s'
4 h 11 min
